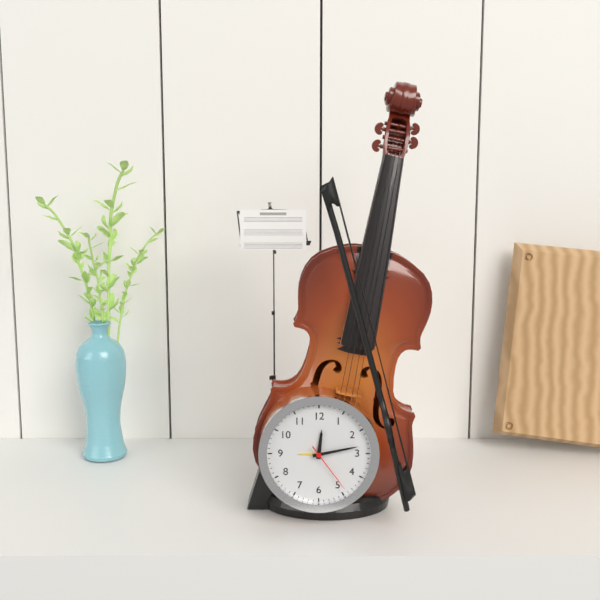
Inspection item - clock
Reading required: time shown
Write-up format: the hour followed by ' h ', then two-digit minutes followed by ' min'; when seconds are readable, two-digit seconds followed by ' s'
12 h 13 min 24 s
